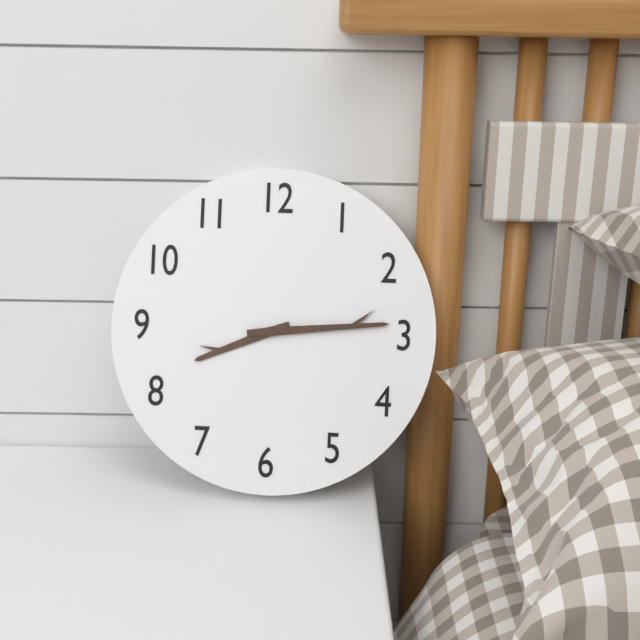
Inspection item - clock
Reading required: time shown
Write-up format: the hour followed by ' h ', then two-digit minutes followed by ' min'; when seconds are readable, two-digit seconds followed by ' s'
8 h 14 min
